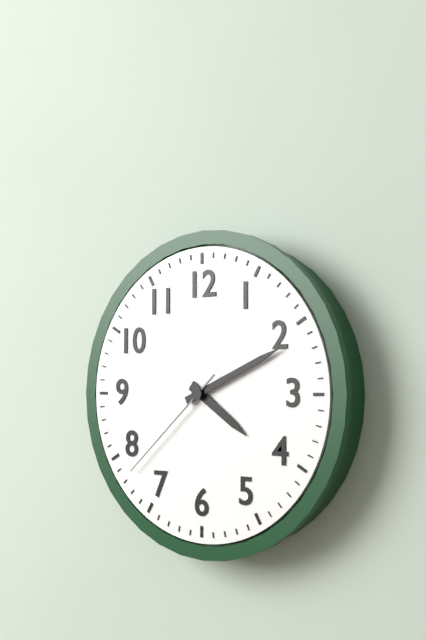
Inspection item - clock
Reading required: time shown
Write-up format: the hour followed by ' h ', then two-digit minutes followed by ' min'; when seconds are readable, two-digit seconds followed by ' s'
4 h 11 min 38 s
